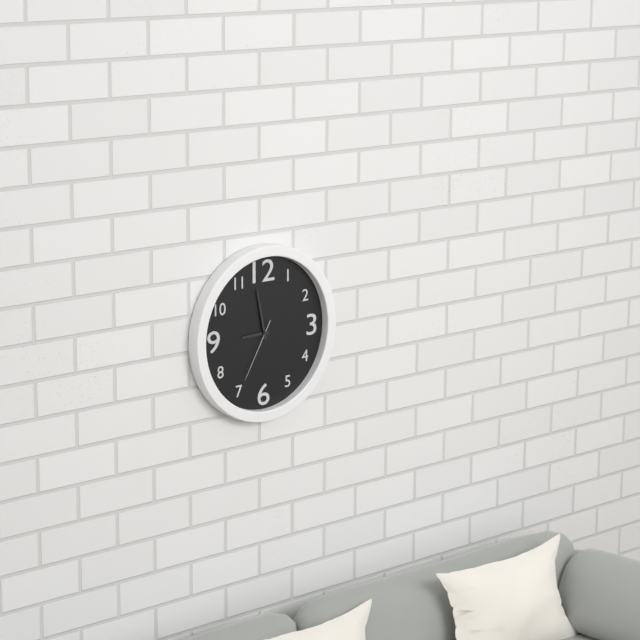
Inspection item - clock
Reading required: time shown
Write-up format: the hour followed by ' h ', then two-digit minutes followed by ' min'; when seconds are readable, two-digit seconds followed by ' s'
8 h 58 min 35 s
